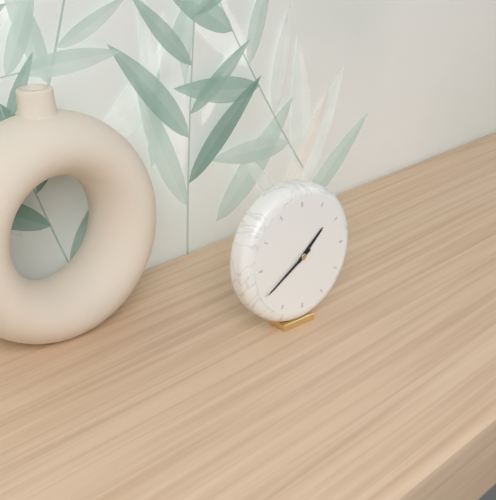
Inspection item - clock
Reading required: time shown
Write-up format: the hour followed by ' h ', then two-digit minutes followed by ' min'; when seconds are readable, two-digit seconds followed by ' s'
1 h 40 min
